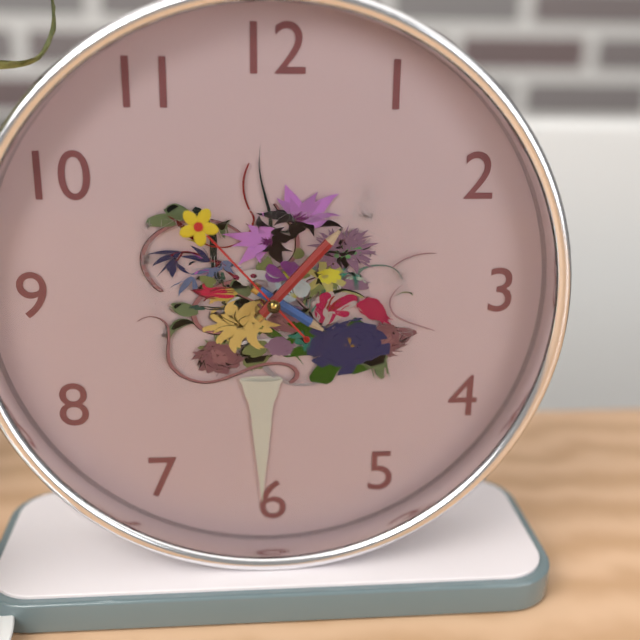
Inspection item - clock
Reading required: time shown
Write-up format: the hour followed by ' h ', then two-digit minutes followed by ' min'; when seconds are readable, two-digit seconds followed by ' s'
4 h 07 min 53 s
